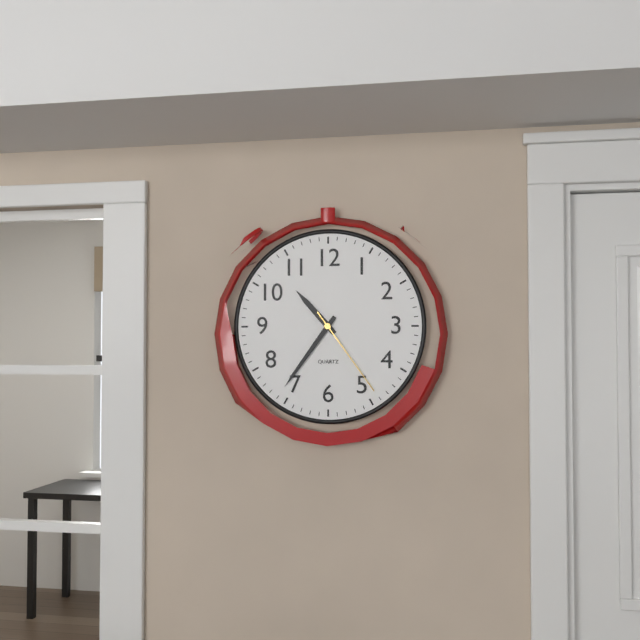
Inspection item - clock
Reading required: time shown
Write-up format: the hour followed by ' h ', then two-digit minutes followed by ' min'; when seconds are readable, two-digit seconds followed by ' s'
10 h 36 min 24 s
